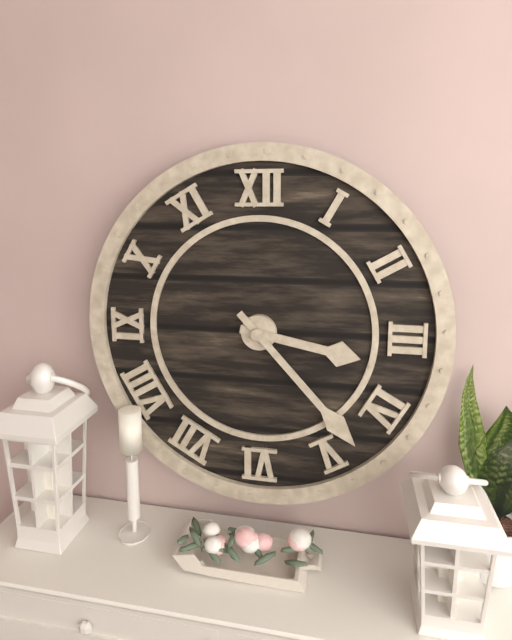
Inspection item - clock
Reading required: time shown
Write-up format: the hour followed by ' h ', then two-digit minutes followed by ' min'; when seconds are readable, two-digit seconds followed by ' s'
3 h 23 min
